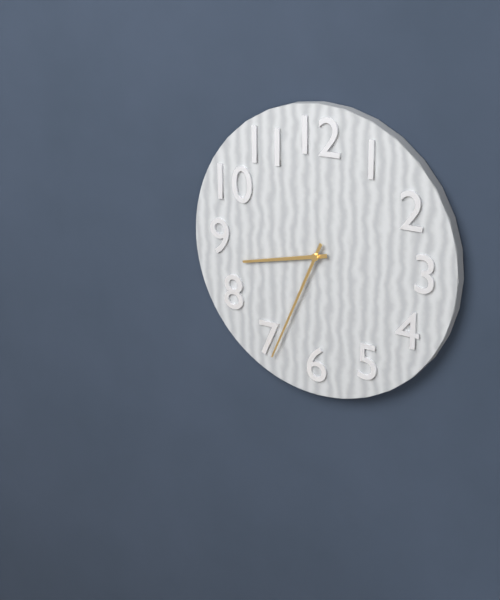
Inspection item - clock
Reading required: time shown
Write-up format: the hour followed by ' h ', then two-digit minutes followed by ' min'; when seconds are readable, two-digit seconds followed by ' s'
8 h 34 min
